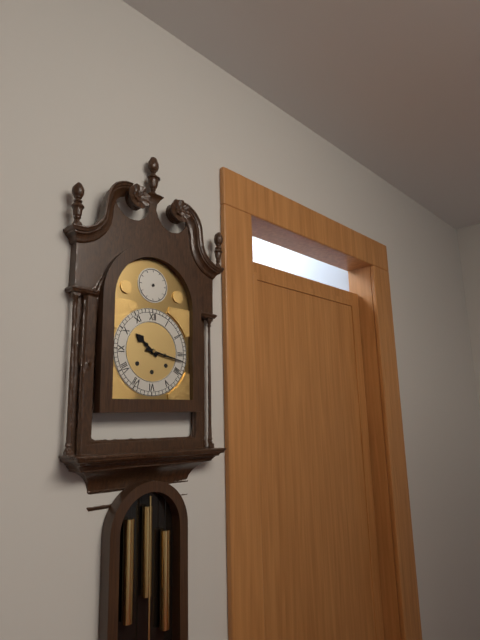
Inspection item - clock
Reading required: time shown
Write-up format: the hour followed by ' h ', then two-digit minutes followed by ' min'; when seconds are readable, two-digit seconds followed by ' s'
10 h 17 min
